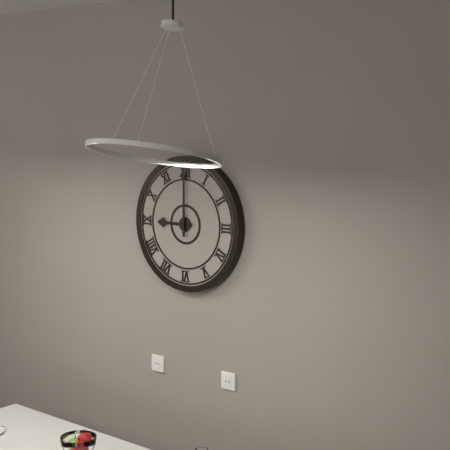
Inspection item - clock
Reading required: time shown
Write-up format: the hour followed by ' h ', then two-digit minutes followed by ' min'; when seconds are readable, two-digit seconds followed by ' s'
9 h 00 min
